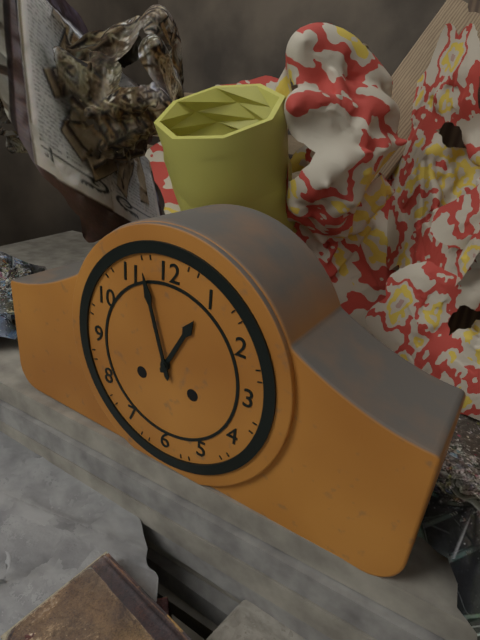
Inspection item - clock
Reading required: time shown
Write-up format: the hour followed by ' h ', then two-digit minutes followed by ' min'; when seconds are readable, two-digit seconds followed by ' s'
12 h 57 min
